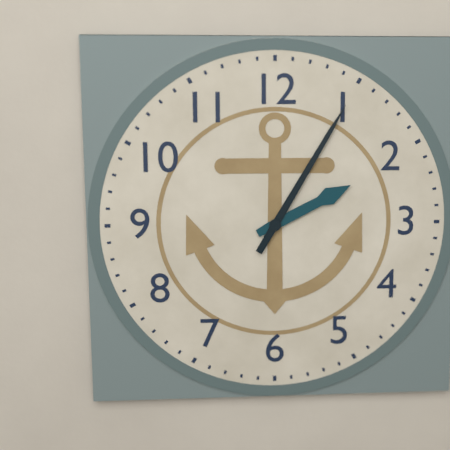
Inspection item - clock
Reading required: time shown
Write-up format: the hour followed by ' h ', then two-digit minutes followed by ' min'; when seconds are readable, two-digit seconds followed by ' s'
2 h 05 min
